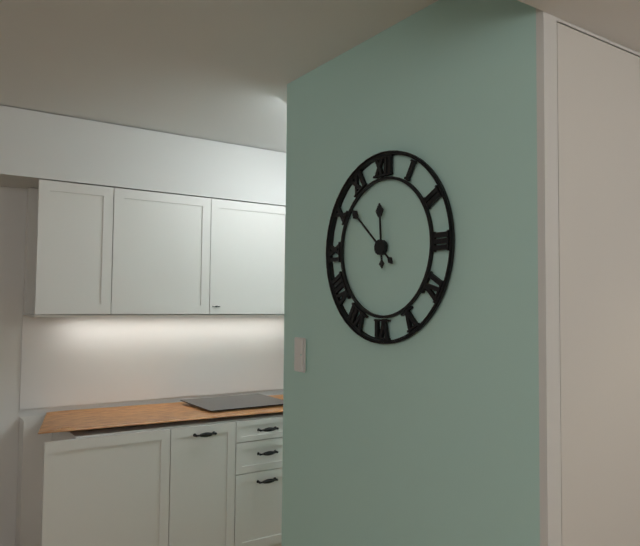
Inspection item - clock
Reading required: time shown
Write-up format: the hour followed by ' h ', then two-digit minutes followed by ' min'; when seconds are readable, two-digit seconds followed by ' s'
11 h 52 min
